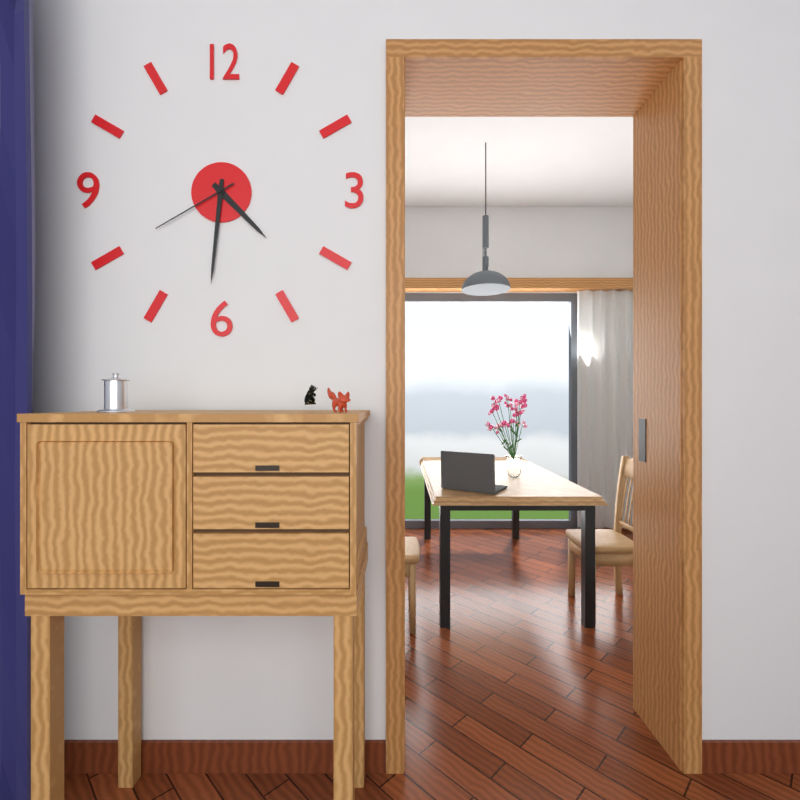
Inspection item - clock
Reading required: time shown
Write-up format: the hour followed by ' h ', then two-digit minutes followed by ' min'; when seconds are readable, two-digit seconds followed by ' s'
4 h 31 min 40 s
